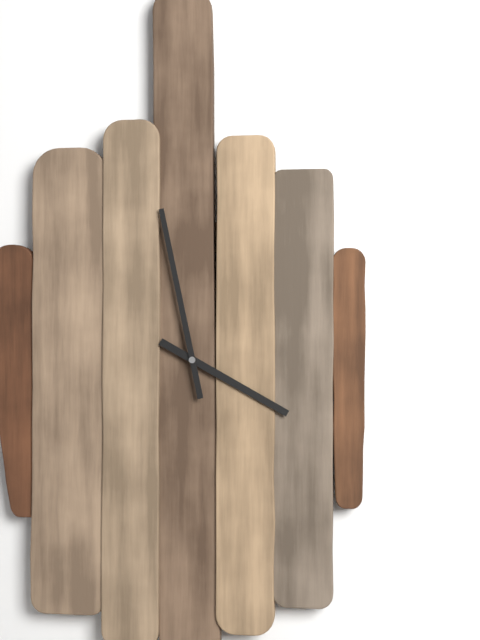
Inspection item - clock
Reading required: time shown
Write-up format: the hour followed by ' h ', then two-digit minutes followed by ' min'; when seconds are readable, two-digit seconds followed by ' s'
3 h 58 min
